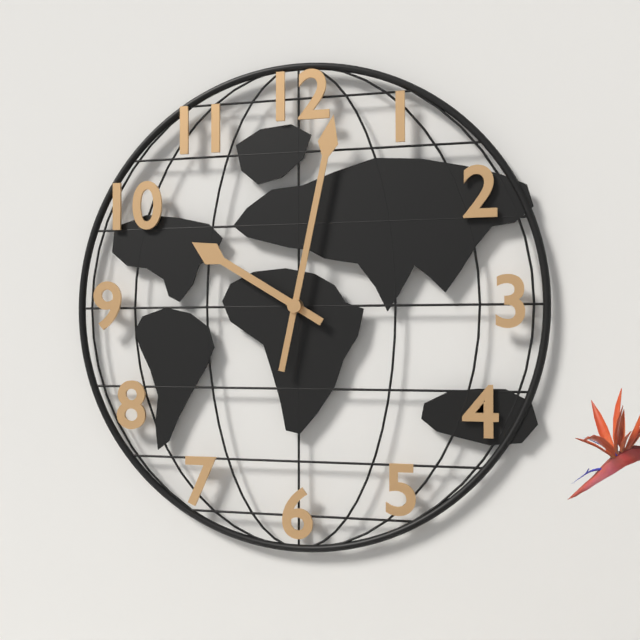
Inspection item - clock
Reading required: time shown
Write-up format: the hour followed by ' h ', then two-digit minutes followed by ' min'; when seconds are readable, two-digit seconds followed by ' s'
10 h 02 min
